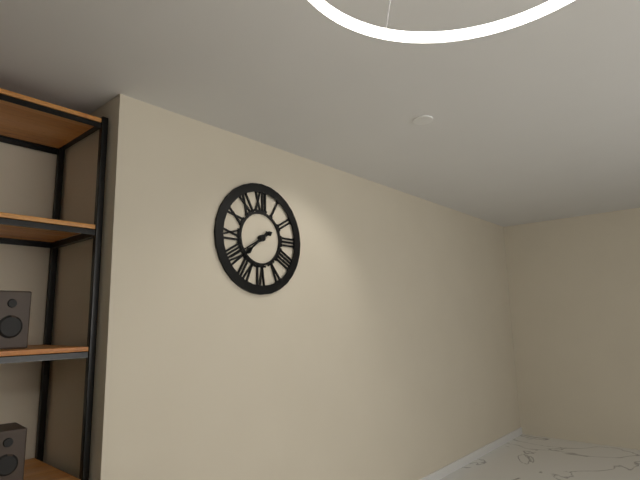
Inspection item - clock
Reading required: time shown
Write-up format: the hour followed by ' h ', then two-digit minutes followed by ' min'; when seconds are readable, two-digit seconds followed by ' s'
7 h 40 min
